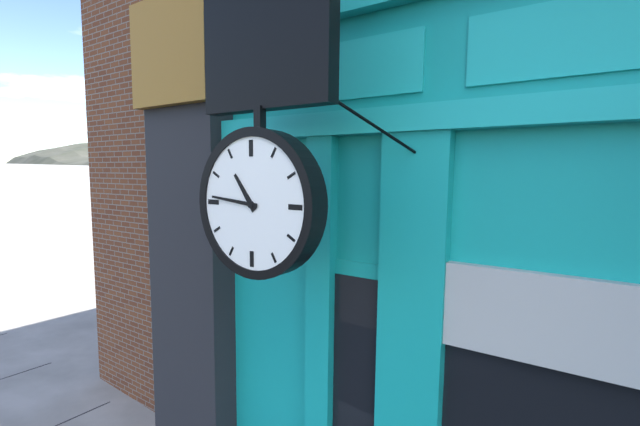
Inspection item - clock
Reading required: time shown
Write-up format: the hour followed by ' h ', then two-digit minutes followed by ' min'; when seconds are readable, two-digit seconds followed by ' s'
10 h 46 min
